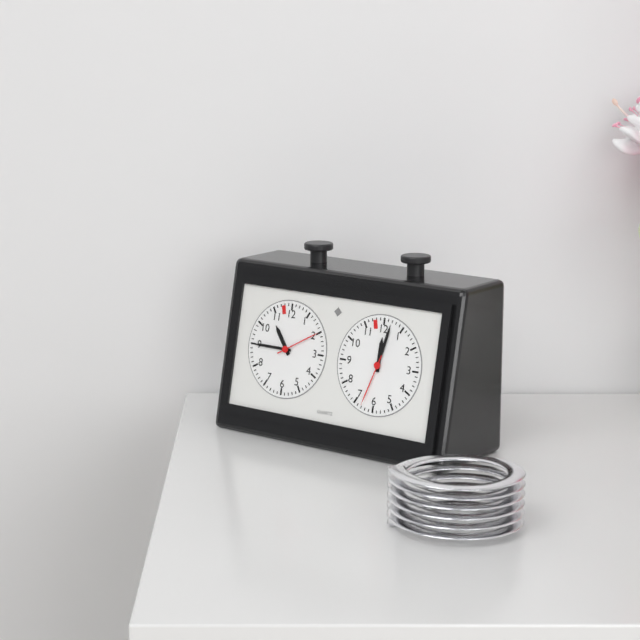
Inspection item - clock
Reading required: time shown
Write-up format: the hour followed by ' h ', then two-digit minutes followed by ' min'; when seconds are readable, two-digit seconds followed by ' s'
10 h 45 min
